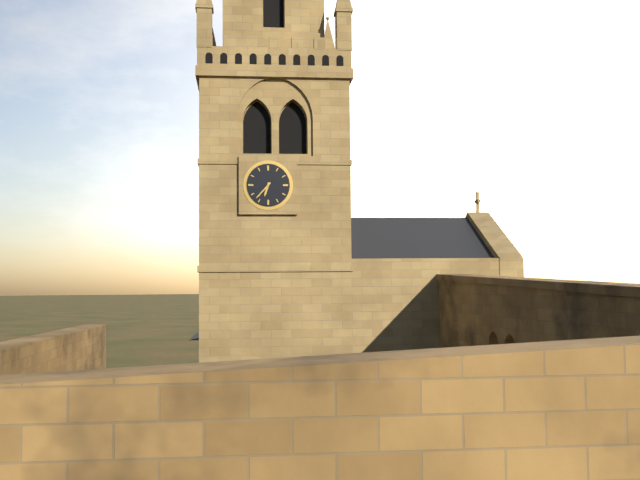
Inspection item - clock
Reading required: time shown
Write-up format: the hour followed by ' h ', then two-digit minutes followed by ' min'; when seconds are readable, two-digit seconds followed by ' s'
6 h 37 min
